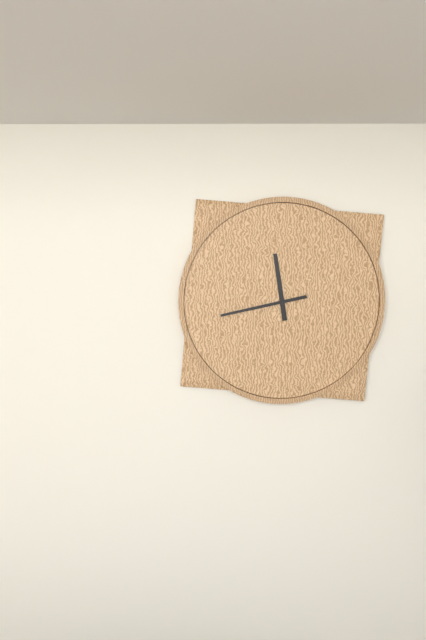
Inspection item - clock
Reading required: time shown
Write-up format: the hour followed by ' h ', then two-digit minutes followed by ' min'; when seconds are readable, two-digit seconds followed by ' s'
11 h 43 min
